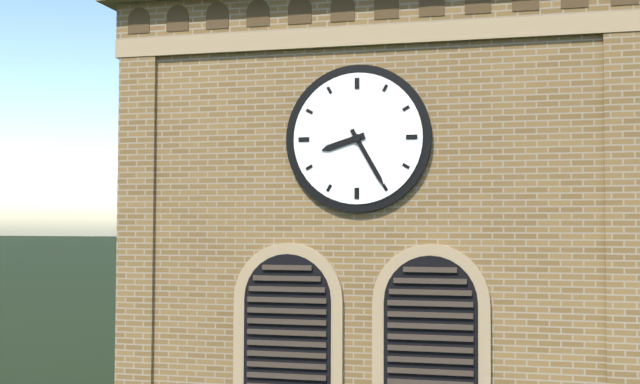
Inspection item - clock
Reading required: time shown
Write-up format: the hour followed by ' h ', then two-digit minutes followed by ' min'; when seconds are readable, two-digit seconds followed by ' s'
8 h 25 min
